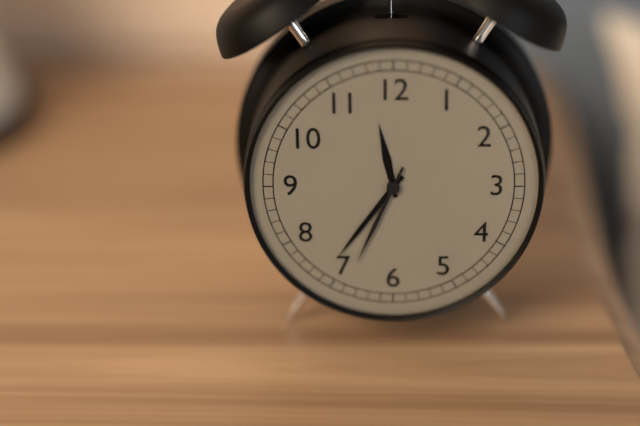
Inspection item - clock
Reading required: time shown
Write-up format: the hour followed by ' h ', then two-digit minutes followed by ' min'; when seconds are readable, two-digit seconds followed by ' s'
11 h 36 min 34 s
